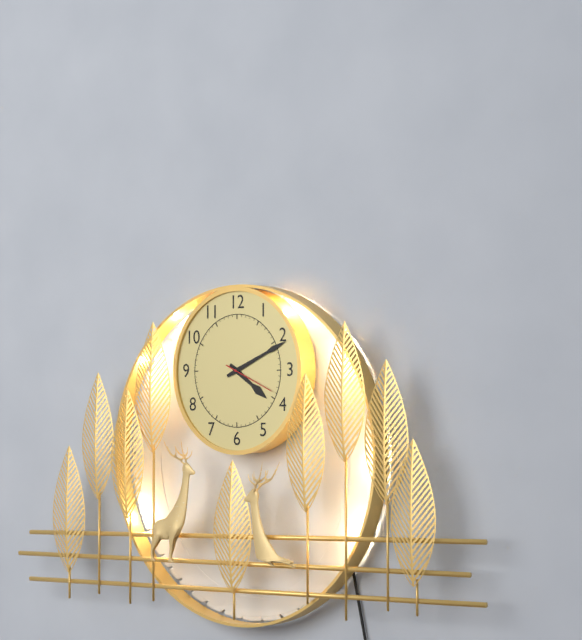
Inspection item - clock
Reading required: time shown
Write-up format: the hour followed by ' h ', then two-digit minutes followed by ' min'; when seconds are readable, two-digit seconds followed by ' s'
4 h 11 min
